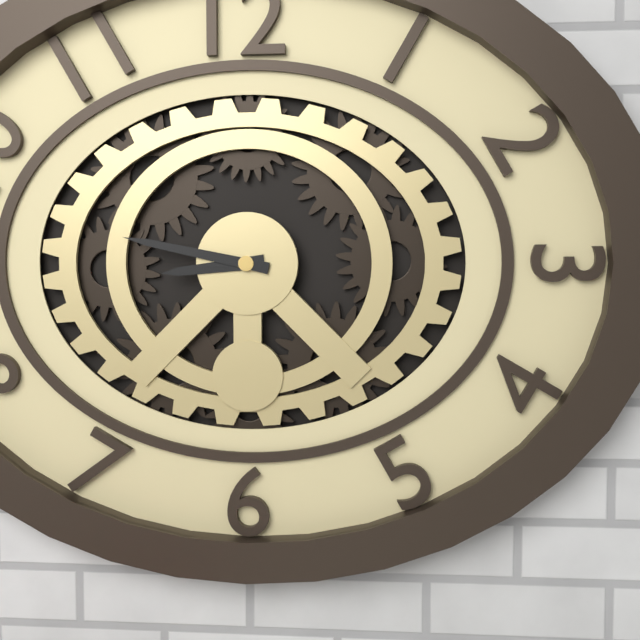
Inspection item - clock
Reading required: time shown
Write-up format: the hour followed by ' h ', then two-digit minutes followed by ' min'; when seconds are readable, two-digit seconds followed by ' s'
8 h 47 min
